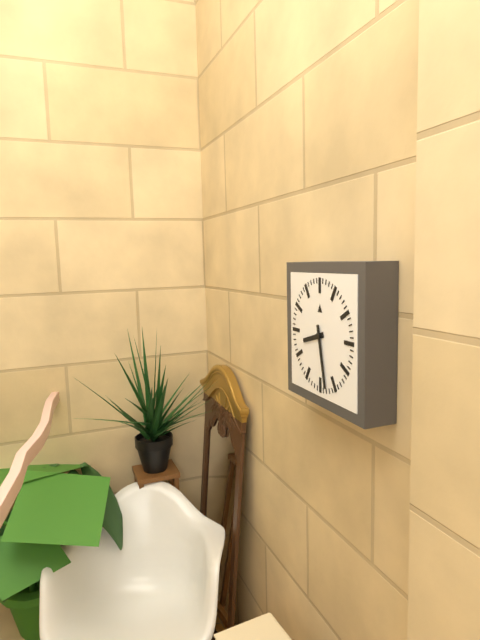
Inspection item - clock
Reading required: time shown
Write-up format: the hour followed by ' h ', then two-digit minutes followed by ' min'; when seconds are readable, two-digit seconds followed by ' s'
8 h 28 min
